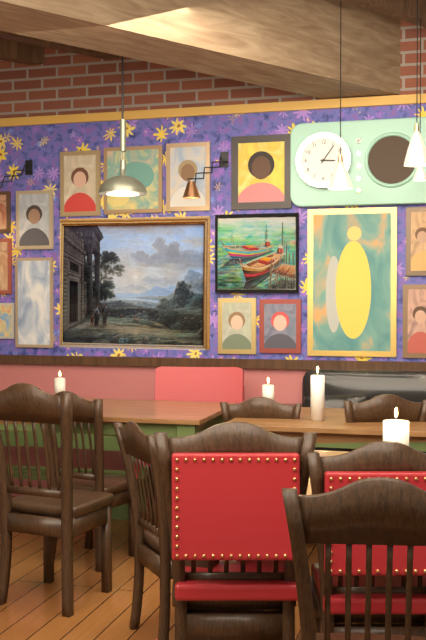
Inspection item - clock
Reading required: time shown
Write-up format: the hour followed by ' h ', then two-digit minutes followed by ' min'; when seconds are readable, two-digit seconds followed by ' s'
3 h 06 min
